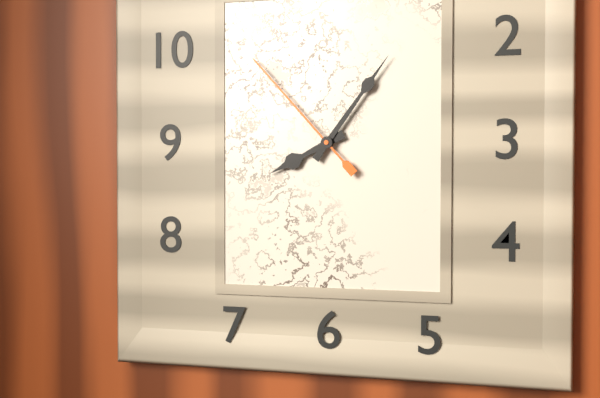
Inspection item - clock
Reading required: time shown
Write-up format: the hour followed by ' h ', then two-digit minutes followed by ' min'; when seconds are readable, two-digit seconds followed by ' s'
8 h 06 min 53 s
